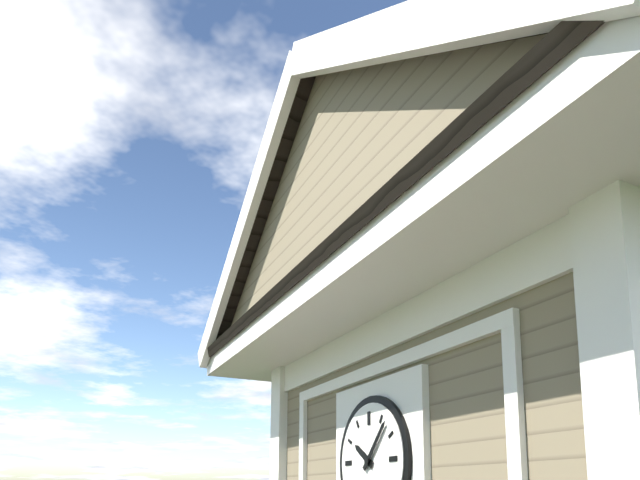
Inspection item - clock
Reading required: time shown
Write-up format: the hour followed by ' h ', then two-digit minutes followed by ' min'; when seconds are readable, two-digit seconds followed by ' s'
10 h 07 min
